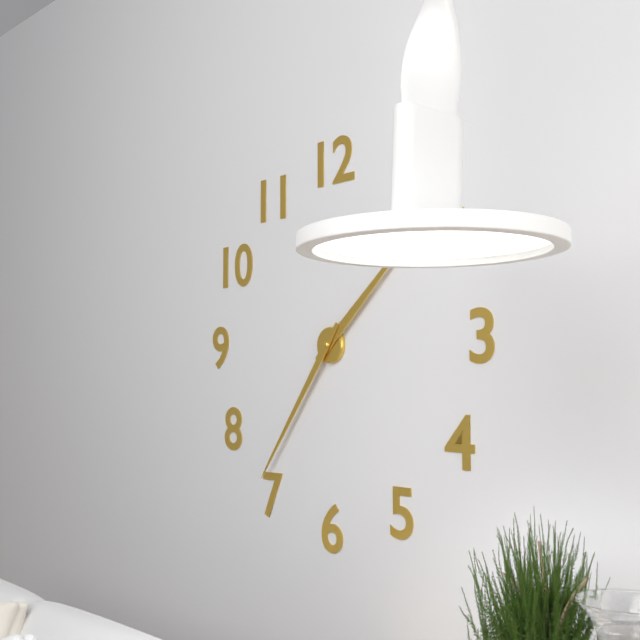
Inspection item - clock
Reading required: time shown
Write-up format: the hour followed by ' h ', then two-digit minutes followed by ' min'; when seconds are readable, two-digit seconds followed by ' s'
1 h 36 min
